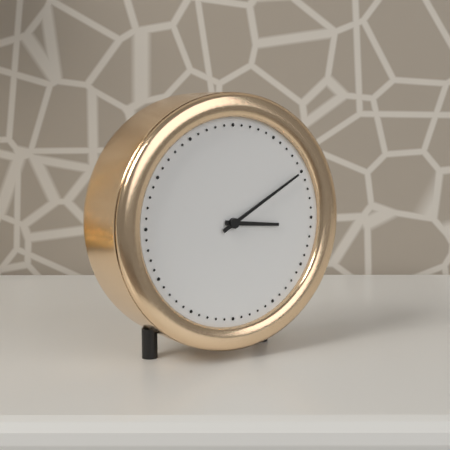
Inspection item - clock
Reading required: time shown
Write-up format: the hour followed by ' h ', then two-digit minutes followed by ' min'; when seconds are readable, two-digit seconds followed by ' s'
3 h 10 min
